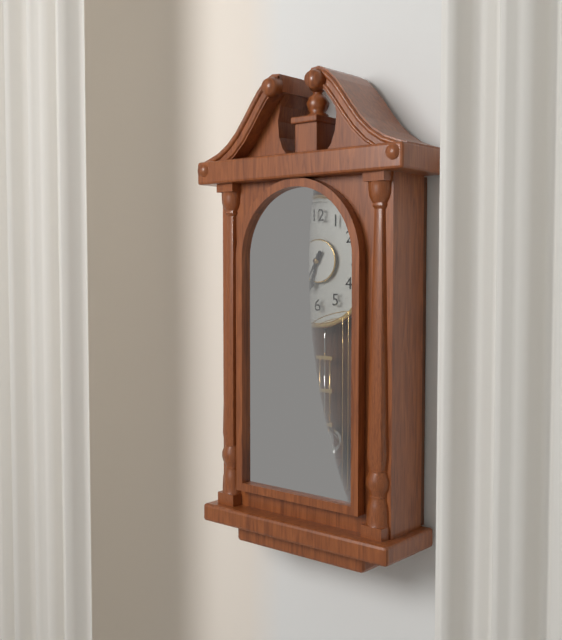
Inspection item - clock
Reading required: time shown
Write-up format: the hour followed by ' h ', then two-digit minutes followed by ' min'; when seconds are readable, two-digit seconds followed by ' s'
6 h 35 min
